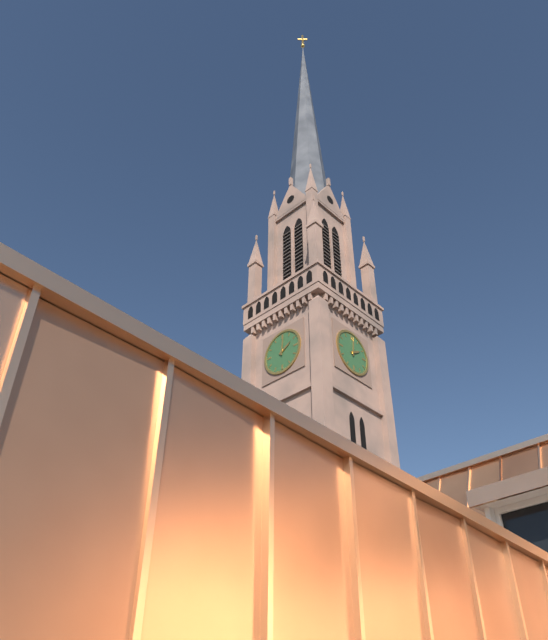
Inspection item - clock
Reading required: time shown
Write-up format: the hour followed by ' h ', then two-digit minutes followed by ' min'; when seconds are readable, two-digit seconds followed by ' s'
2 h 01 min
